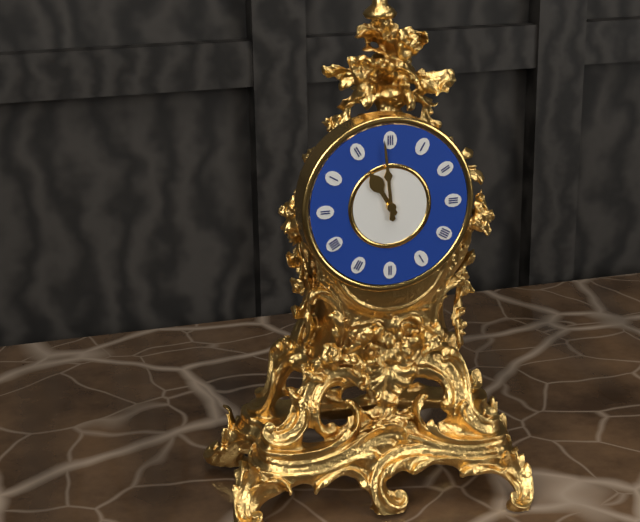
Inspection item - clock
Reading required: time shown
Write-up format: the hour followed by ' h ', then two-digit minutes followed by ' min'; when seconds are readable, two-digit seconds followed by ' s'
10 h 59 min
